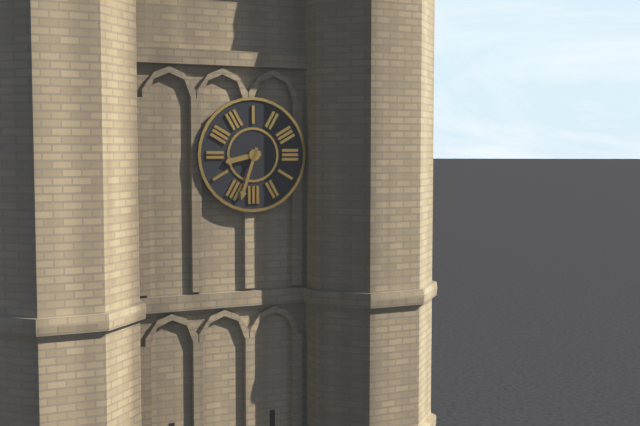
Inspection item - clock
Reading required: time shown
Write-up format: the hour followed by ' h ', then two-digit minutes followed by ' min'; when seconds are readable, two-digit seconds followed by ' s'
8 h 33 min
